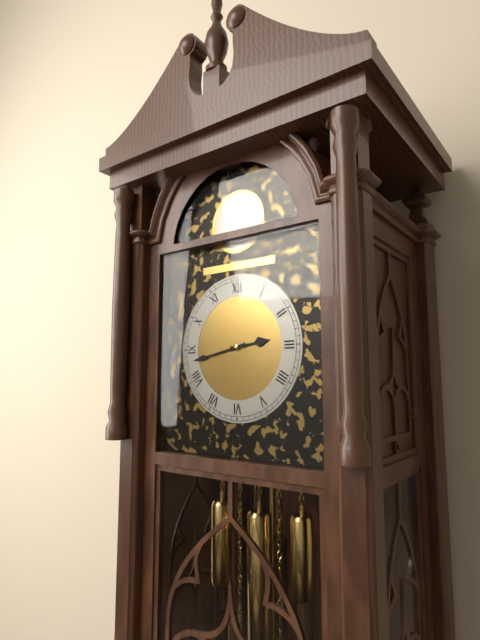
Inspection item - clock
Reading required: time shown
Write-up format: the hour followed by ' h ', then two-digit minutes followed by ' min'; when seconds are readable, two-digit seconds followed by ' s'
2 h 43 min
